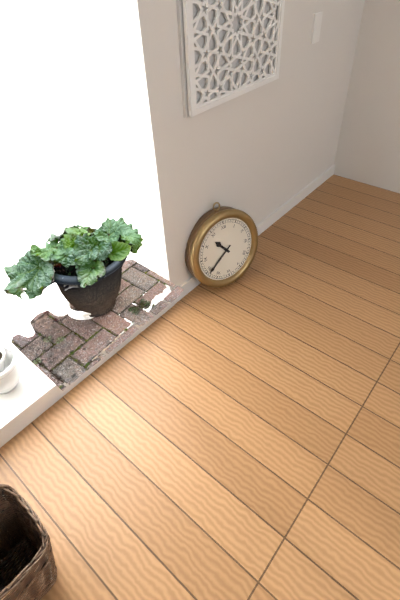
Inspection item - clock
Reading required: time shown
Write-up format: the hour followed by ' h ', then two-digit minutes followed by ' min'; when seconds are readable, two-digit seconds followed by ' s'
10 h 39 min
